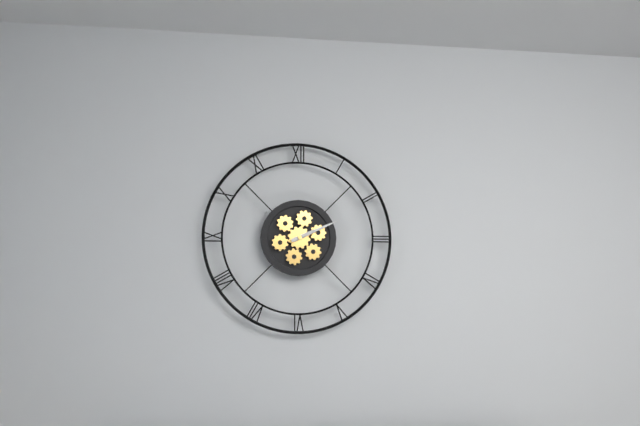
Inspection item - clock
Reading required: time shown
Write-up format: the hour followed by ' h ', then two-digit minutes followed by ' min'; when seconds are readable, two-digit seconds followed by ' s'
2 h 11 min
